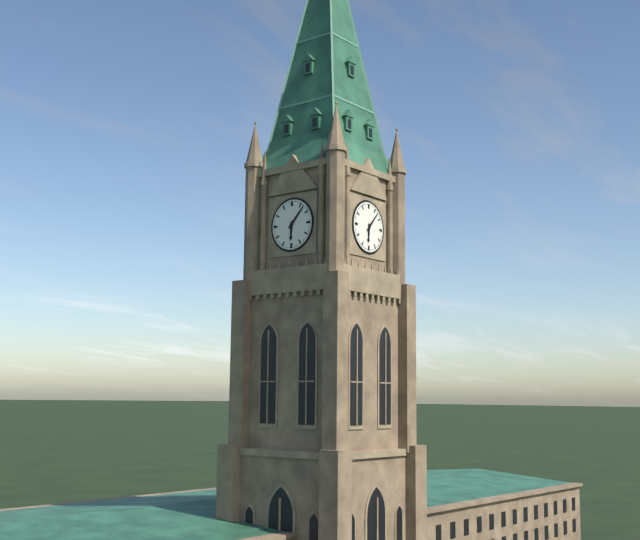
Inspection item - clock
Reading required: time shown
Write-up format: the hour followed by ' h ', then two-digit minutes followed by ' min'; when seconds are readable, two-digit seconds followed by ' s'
6 h 07 min
